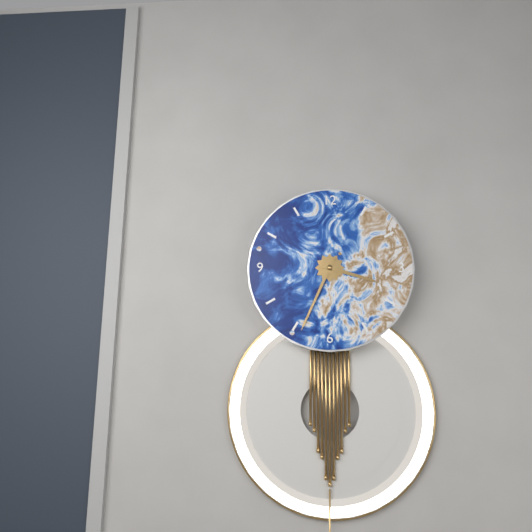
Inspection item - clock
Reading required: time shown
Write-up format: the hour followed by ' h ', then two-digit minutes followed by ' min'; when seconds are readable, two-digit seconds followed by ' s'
3 h 34 min
